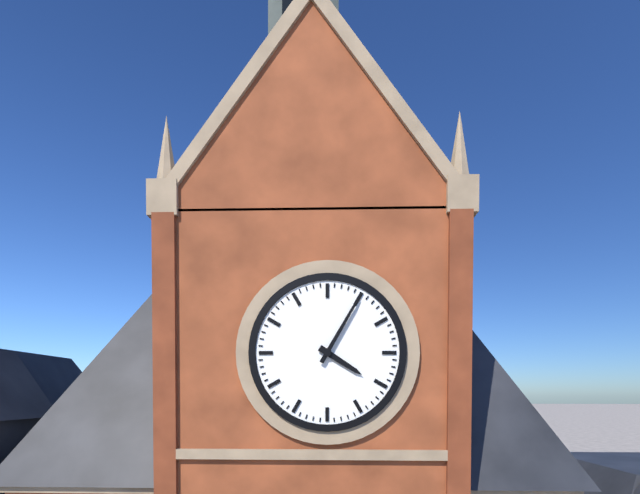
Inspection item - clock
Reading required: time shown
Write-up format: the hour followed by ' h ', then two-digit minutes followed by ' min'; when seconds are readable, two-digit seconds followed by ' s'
4 h 05 min
